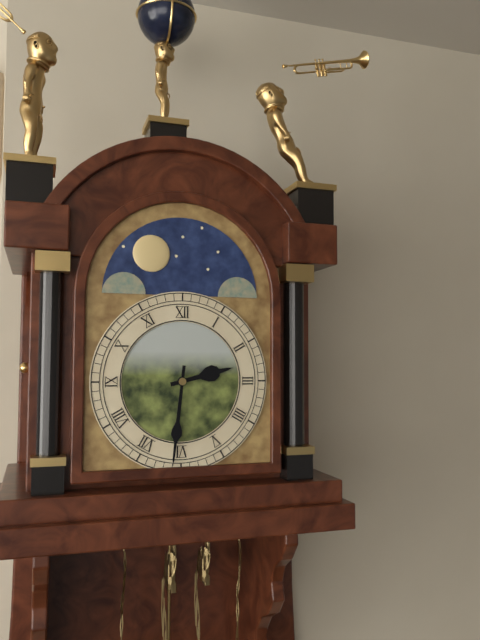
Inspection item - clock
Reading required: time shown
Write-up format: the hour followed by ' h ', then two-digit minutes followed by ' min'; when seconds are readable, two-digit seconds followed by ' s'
2 h 31 min
